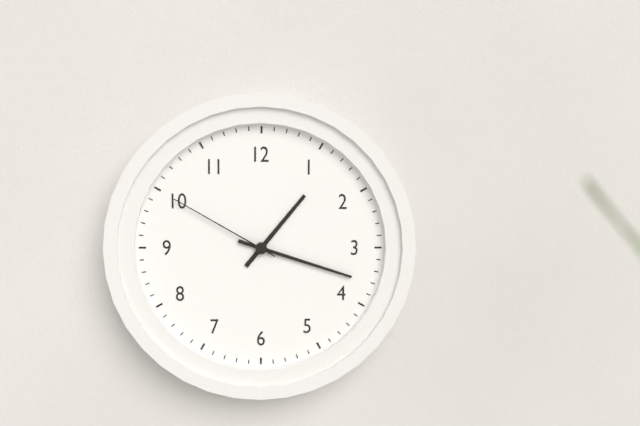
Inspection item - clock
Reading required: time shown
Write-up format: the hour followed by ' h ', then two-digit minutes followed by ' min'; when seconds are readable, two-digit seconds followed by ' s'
1 h 18 min 50 s
